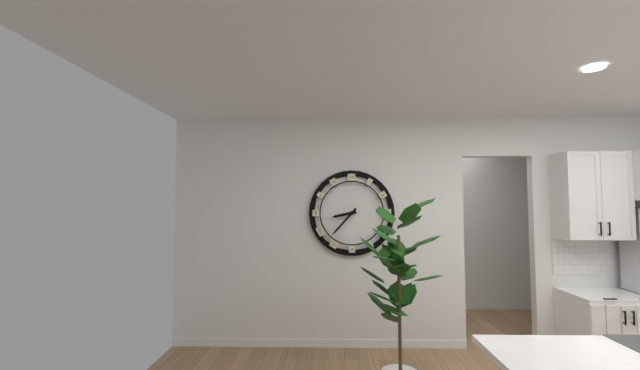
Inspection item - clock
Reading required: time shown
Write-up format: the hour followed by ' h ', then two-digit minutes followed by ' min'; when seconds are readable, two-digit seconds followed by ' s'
8 h 37 min
